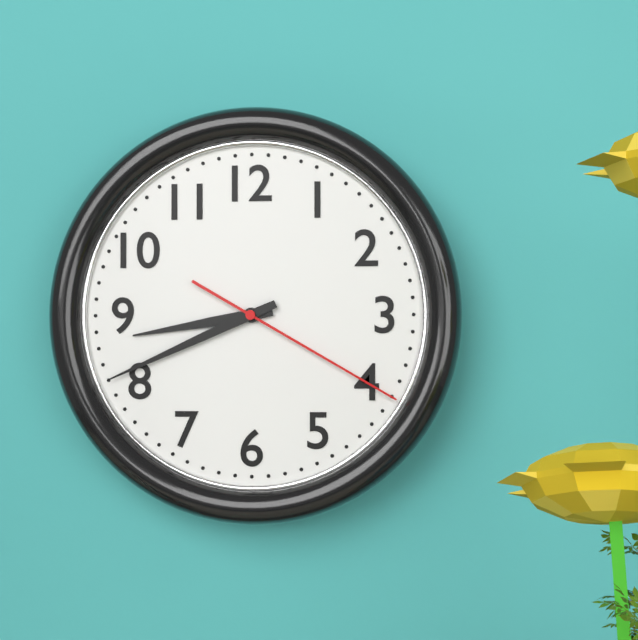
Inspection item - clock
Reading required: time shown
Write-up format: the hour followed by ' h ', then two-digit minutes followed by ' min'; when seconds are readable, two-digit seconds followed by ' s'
8 h 41 min 20 s
